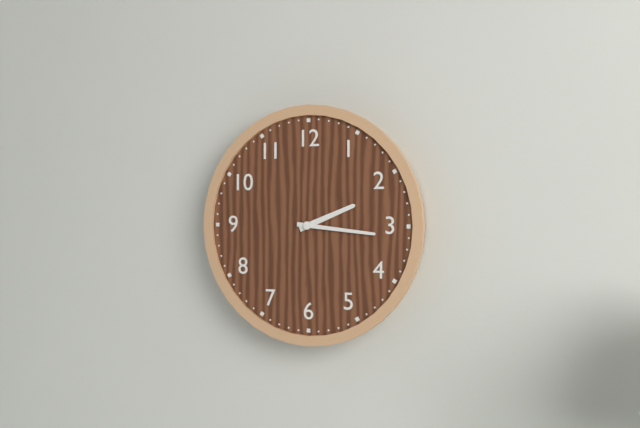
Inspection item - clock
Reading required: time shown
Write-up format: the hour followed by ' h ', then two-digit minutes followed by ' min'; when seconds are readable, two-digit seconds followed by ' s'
2 h 16 min
